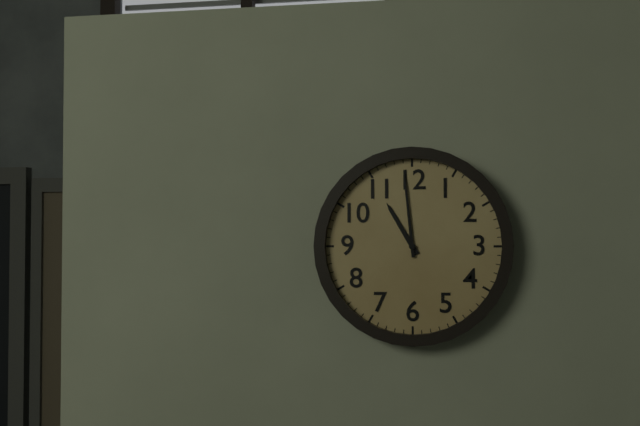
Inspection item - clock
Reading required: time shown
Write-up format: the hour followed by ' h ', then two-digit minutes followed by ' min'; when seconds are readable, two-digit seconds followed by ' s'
10 h 59 min
